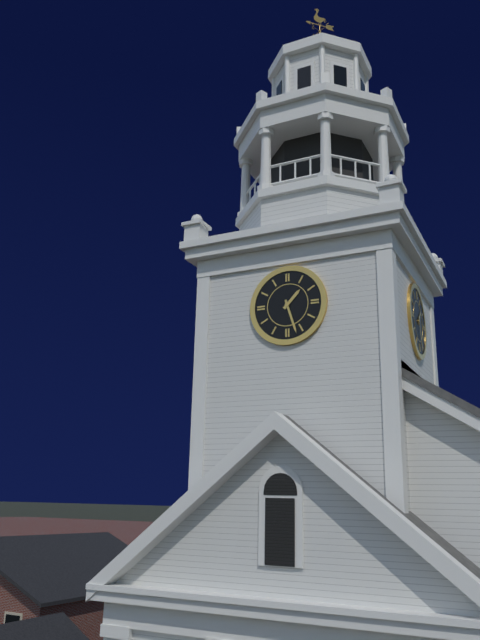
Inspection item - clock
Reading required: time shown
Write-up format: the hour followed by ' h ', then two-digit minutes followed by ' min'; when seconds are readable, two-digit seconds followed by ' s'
1 h 27 min
